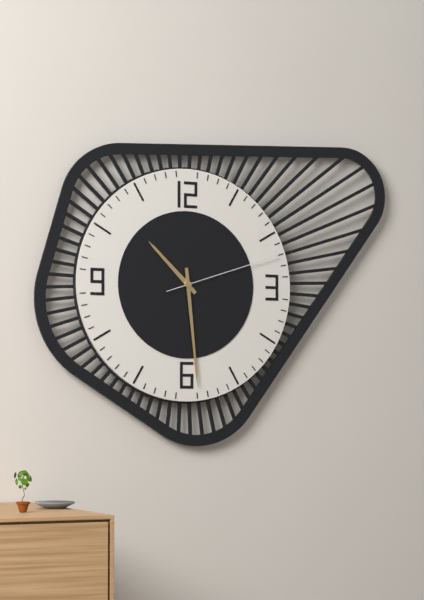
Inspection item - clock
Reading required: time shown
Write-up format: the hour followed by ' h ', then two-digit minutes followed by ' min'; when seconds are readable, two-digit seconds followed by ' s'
10 h 29 min 12 s
